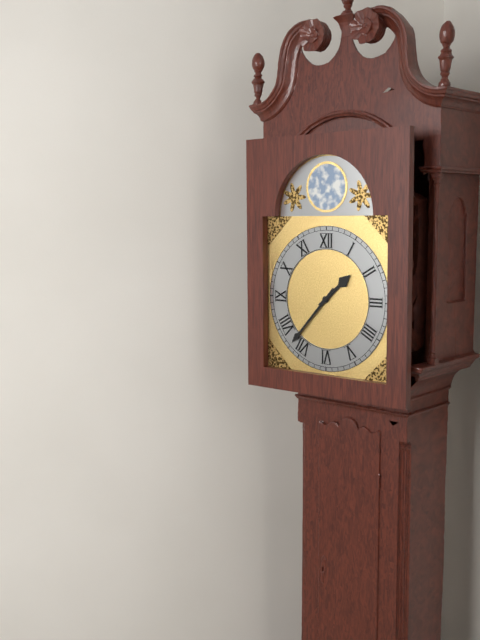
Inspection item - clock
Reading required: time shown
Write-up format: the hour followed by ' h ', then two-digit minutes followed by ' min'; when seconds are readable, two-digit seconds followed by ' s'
1 h 37 min
